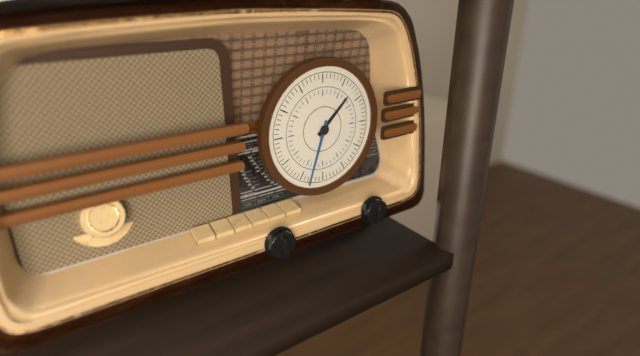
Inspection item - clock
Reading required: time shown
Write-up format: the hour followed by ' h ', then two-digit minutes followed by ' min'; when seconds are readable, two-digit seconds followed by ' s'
1 h 33 min
